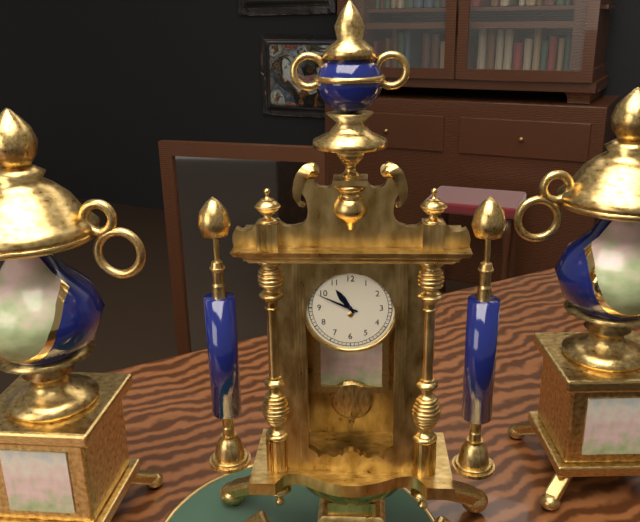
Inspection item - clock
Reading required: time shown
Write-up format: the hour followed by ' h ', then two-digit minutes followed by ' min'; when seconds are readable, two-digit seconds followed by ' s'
10 h 49 min
